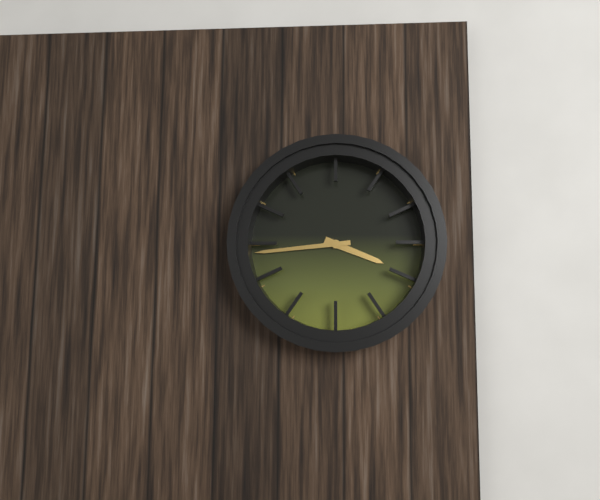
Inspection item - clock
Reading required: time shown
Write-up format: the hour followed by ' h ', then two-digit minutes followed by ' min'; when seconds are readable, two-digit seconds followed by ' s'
3 h 44 min
